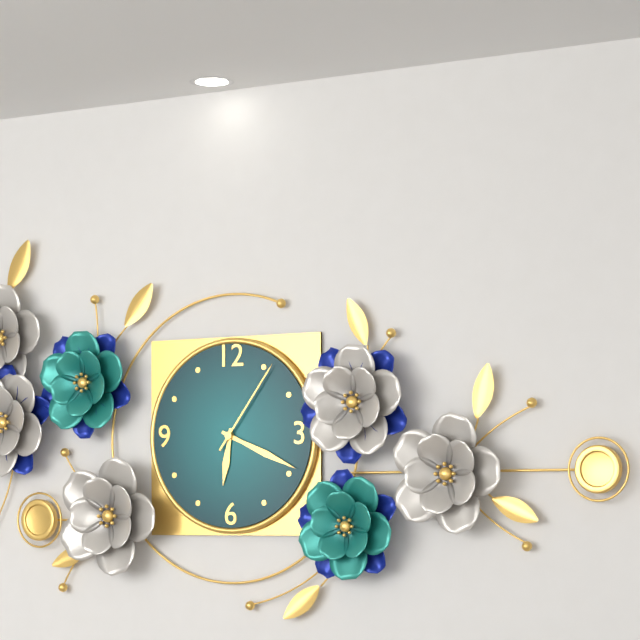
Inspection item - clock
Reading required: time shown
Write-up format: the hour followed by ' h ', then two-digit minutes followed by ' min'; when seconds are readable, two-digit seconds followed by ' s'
6 h 19 min 06 s
